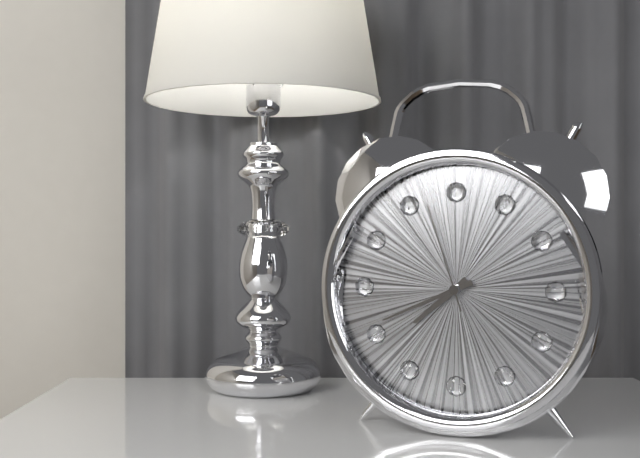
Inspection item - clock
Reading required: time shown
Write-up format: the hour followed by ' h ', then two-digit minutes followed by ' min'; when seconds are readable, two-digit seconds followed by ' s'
7 h 41 min 57 s
